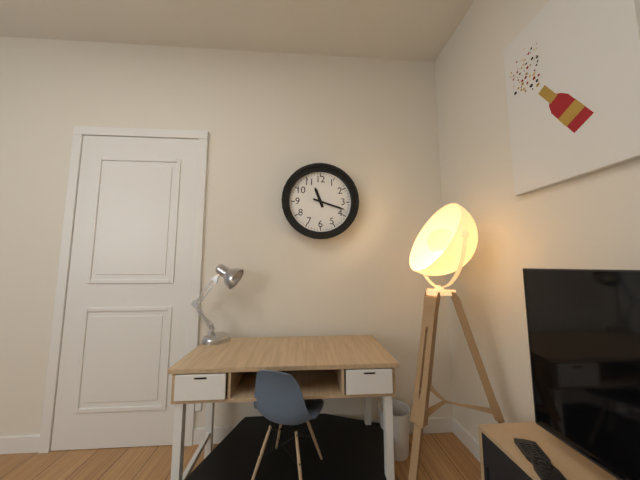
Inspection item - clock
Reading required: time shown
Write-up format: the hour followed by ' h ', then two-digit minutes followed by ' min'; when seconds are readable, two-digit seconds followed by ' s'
11 h 18 min
